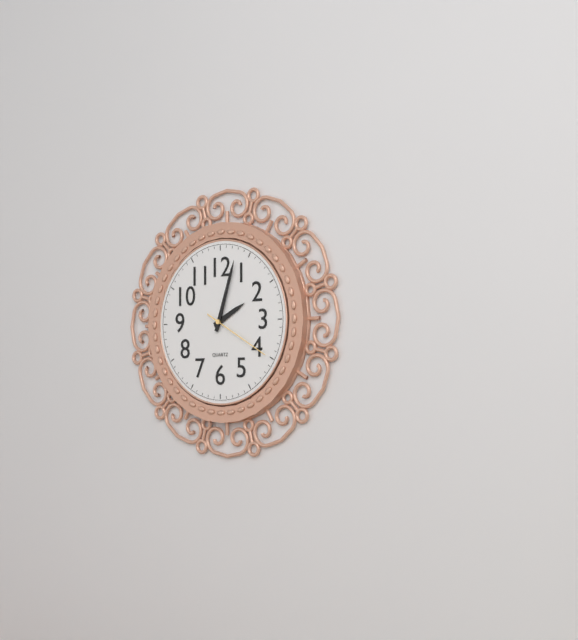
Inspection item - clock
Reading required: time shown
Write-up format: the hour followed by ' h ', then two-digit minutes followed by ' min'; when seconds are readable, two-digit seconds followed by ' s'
2 h 03 min 20 s
